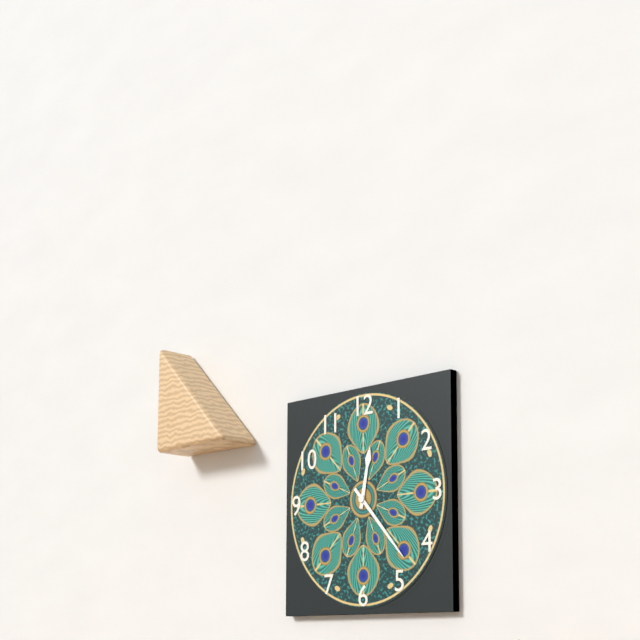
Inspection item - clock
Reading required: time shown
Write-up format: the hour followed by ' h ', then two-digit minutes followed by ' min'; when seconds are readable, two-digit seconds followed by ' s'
12 h 23 min
